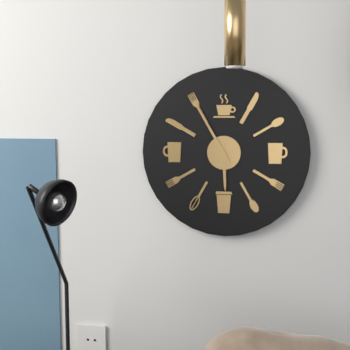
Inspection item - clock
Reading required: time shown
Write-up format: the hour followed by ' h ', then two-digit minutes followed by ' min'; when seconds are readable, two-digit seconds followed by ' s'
5 h 55 min
